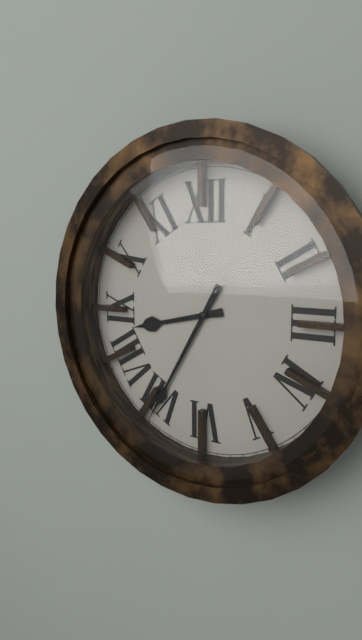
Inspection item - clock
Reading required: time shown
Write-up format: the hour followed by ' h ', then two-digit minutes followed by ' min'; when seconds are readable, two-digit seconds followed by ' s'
8 h 35 min
